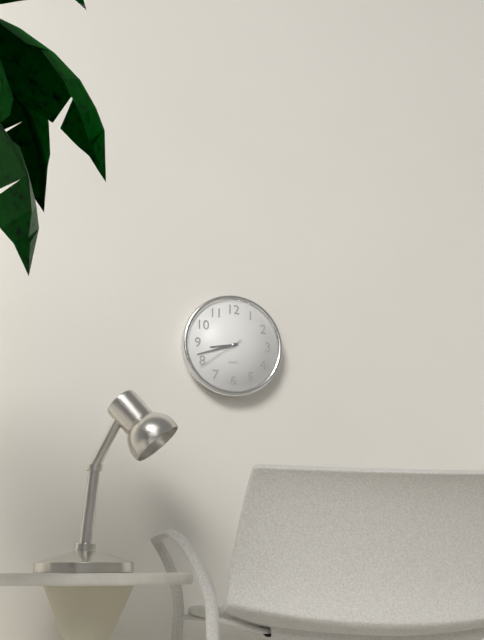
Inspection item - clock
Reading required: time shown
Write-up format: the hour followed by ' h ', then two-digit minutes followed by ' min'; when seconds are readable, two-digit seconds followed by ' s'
8 h 42 min 39 s
